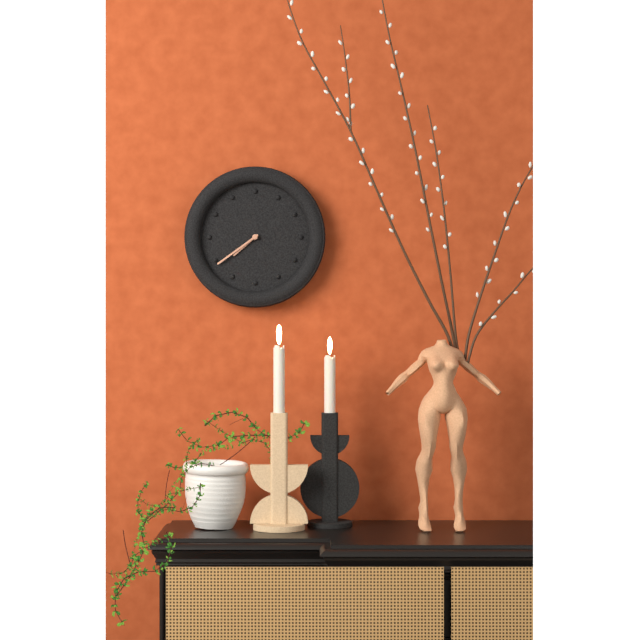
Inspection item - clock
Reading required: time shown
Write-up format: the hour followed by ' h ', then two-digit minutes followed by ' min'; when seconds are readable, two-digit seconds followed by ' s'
7 h 39 min
